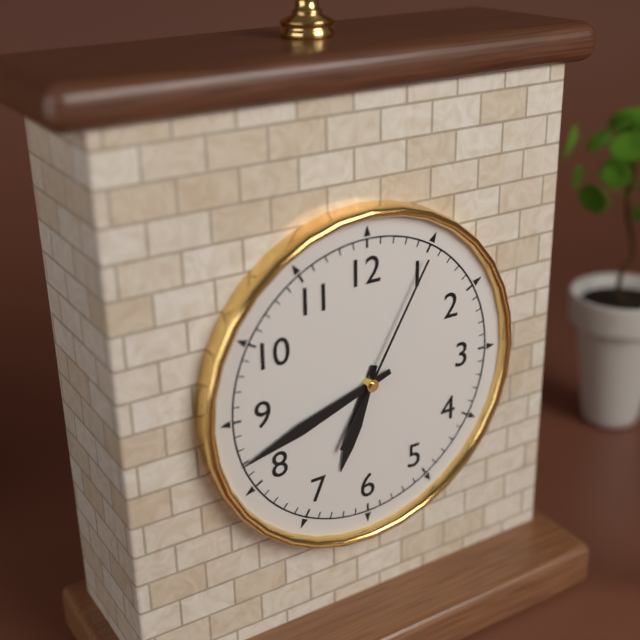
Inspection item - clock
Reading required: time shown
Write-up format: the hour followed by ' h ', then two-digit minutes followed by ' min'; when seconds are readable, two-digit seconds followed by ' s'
6 h 42 min 05 s
